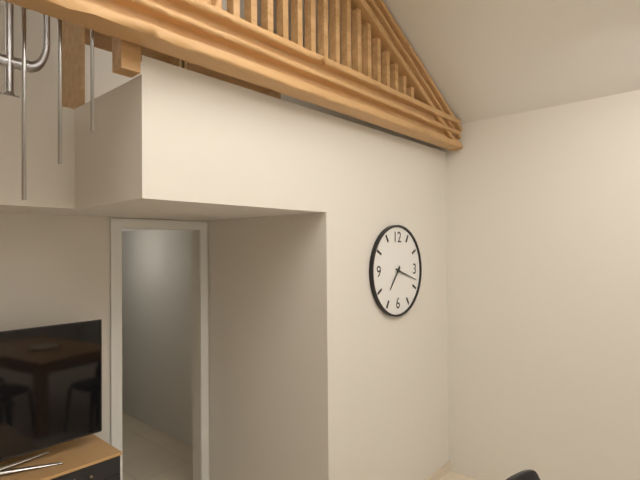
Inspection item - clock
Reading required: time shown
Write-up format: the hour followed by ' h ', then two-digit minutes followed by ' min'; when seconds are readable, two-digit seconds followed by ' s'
7 h 18 min
